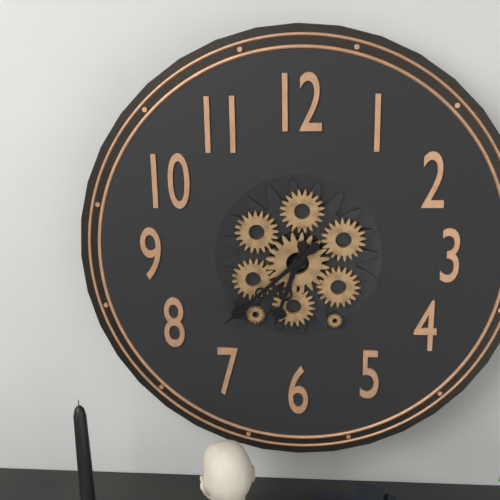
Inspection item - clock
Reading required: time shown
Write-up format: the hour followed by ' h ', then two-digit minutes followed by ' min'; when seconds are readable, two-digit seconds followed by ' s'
6 h 38 min
